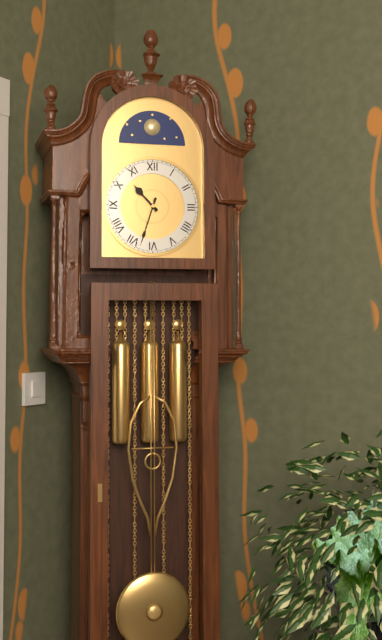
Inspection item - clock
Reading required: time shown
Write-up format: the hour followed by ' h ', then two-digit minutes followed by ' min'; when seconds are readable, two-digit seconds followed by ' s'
10 h 33 min
